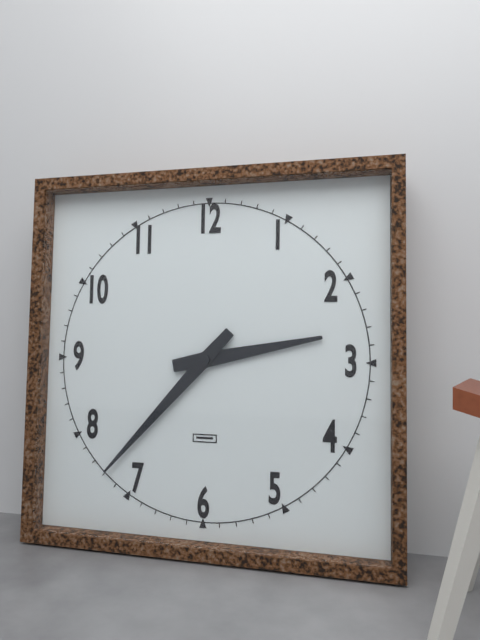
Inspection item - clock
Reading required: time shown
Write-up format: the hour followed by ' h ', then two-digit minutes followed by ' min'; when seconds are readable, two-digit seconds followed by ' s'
2 h 37 min
